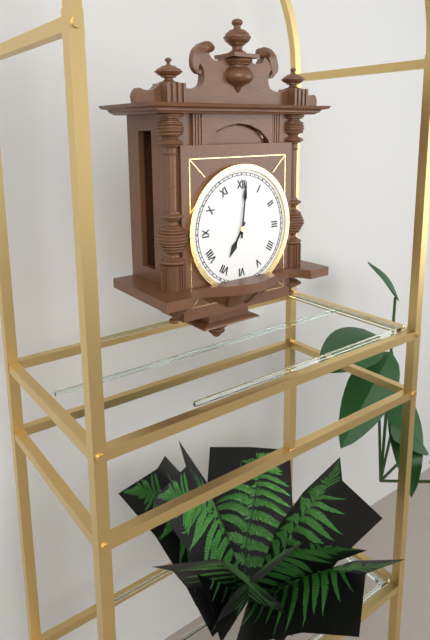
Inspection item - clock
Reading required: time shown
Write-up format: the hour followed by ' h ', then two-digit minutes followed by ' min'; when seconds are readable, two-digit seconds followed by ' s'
7 h 01 min
